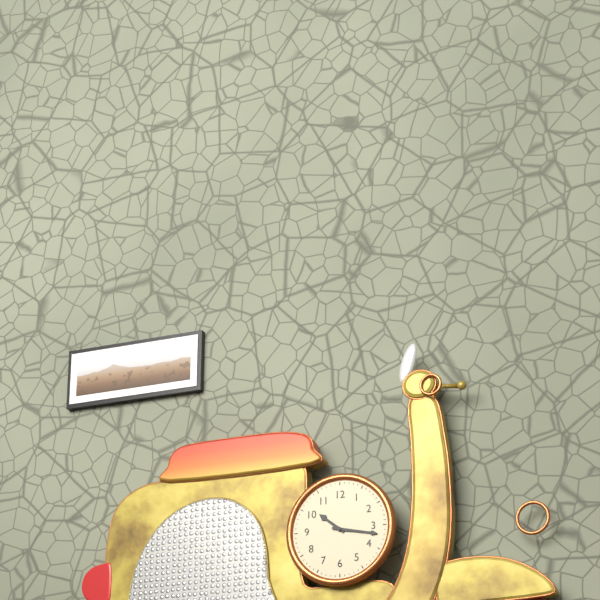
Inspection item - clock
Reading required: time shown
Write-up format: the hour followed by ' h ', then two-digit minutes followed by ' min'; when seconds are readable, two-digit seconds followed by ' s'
10 h 17 min
